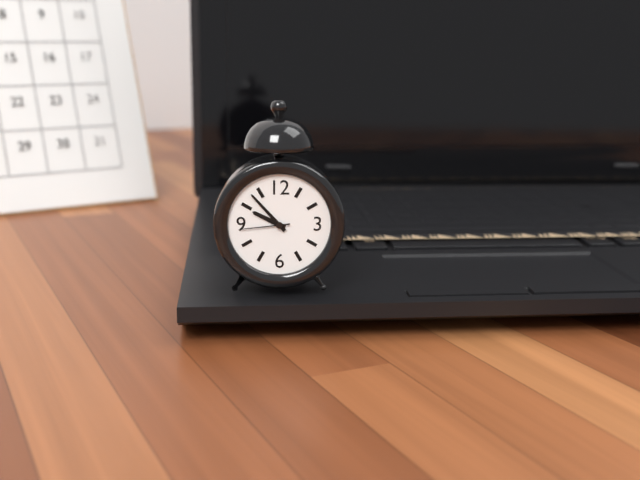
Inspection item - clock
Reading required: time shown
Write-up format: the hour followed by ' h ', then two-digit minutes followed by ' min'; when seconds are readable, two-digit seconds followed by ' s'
9 h 53 min
